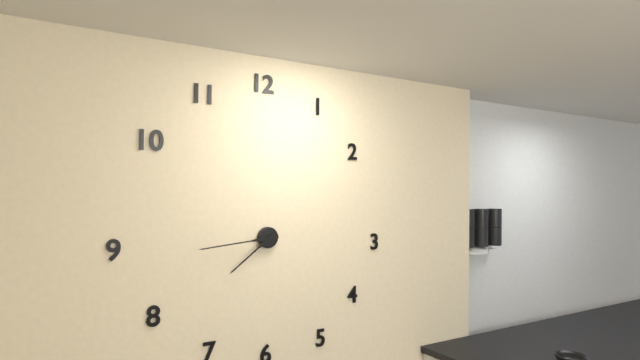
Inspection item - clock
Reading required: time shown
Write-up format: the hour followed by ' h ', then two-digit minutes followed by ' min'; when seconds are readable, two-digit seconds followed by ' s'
7 h 44 min
